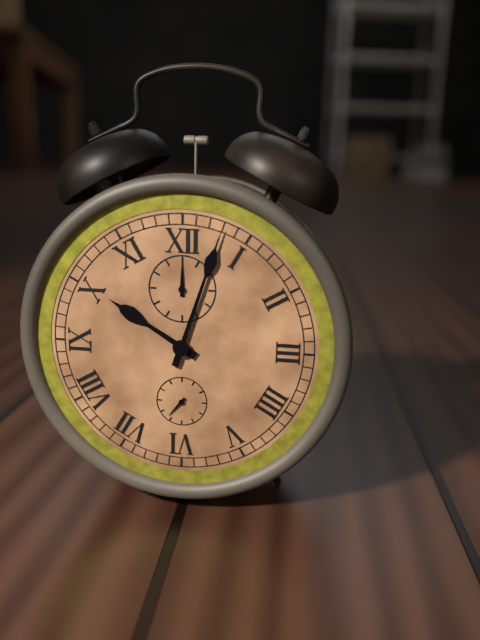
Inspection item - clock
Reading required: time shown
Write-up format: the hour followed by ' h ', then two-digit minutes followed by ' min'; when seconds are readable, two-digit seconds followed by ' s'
10 h 03 min
